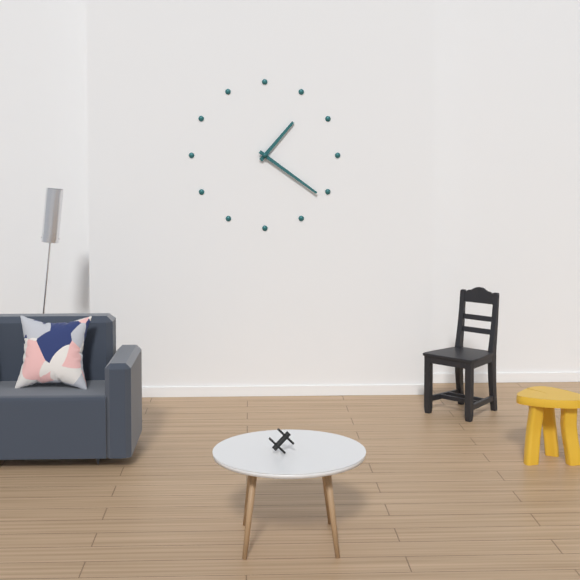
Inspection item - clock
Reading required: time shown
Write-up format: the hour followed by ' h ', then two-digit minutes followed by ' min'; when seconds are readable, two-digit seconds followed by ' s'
1 h 21 min
